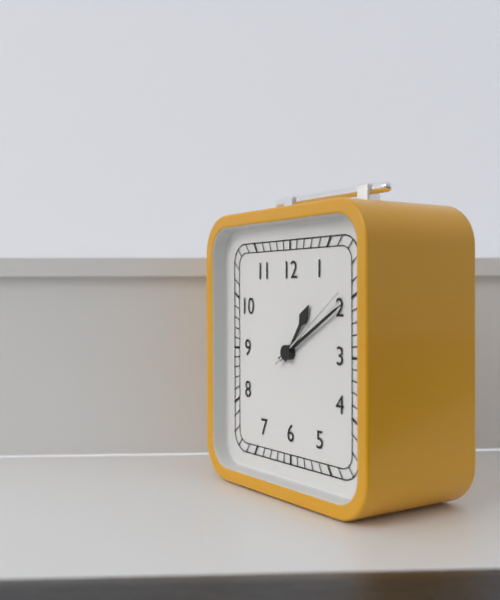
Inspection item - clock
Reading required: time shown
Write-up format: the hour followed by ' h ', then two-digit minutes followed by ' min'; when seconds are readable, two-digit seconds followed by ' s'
1 h 10 min 09 s
